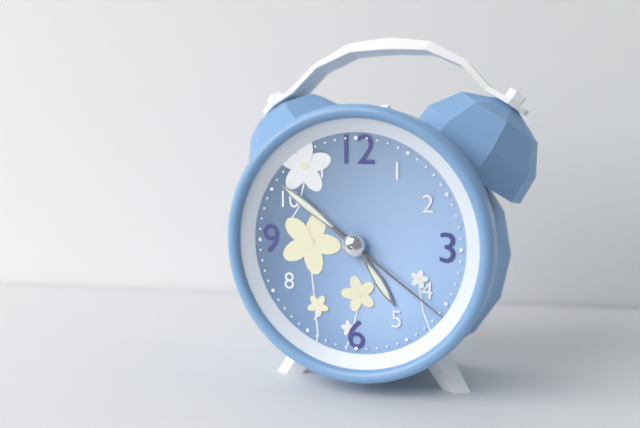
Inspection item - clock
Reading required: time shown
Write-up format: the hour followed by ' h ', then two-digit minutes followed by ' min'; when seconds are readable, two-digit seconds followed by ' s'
4 h 51 min 21 s
